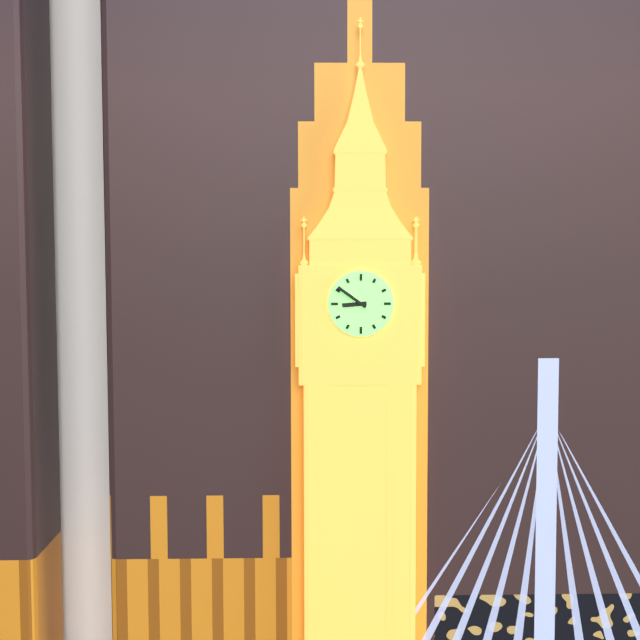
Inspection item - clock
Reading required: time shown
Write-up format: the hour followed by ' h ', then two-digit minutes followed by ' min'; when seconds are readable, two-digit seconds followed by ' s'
8 h 51 min
